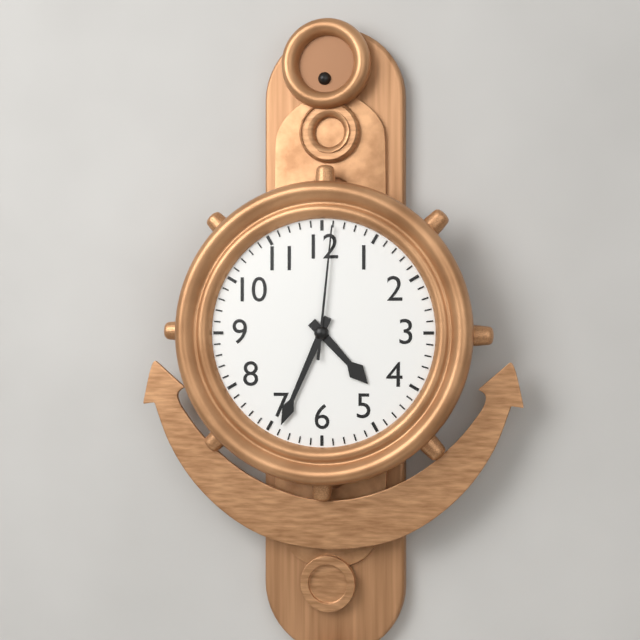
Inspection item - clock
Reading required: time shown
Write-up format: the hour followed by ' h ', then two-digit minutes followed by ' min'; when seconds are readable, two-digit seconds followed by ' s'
4 h 34 min 01 s
